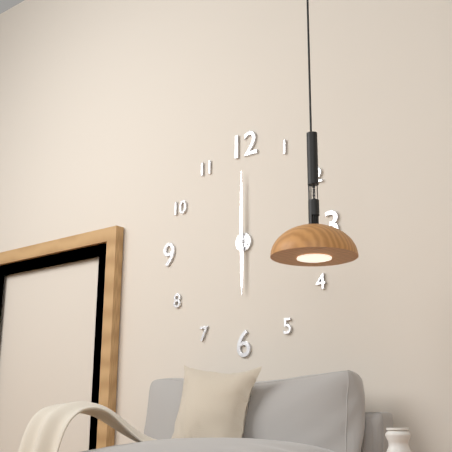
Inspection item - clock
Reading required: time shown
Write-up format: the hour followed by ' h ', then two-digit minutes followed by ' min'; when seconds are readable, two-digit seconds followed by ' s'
6 h 00 min
